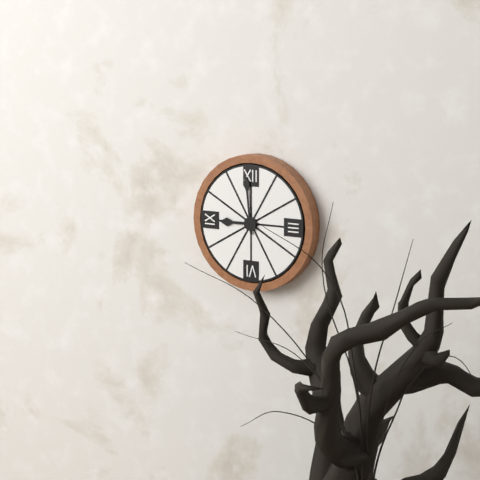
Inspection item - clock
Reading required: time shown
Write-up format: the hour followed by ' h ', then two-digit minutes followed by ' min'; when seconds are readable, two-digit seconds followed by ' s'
8 h 59 min
